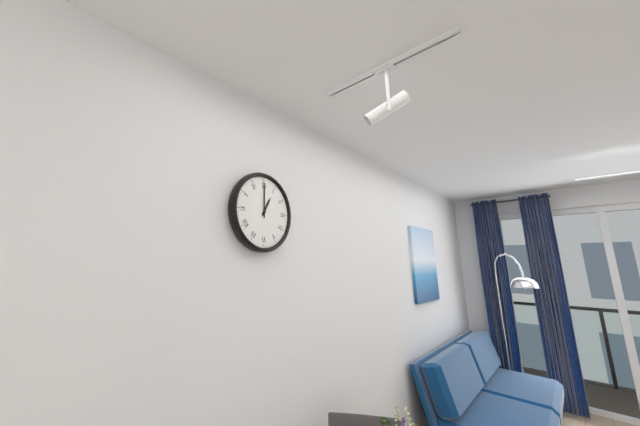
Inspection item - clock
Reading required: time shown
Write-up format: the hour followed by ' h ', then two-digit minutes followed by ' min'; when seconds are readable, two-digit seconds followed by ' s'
1 h 00 min
